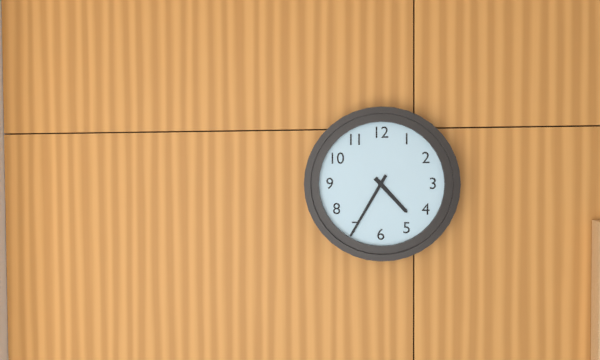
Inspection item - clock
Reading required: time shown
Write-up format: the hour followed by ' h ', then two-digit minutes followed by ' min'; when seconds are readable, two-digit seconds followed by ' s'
4 h 35 min
